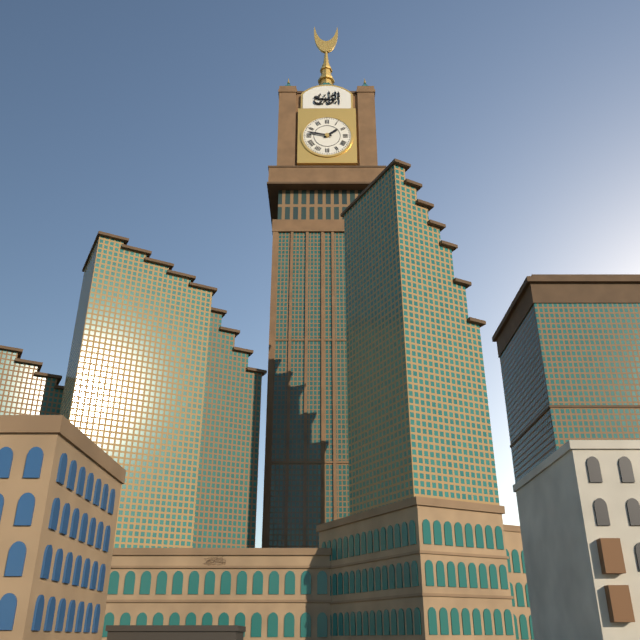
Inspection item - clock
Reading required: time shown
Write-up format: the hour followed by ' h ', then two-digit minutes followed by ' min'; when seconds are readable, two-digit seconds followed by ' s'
1 h 47 min
